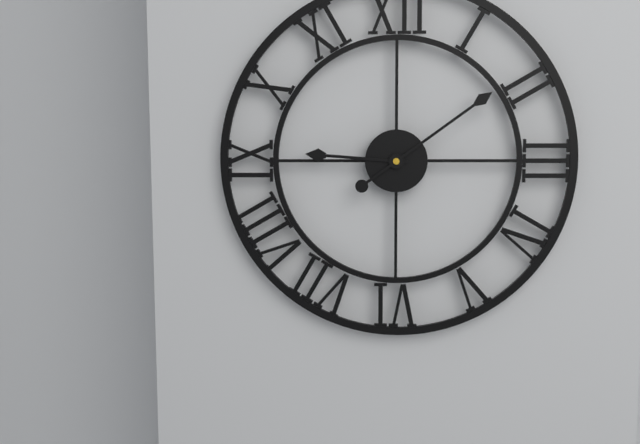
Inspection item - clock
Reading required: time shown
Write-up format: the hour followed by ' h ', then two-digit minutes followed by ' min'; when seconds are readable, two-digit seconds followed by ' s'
9 h 09 min
